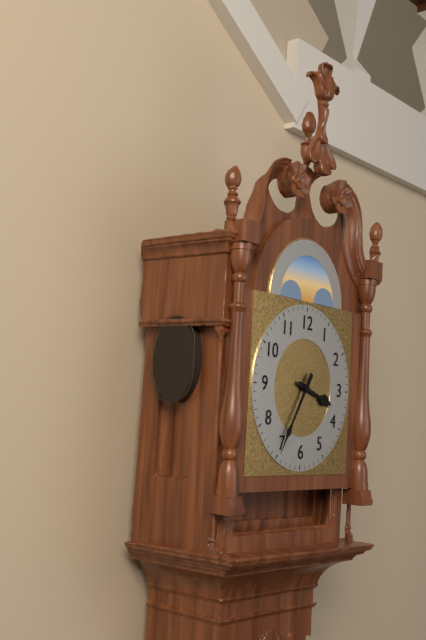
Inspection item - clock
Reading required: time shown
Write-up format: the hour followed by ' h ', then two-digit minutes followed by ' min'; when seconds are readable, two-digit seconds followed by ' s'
3 h 35 min
